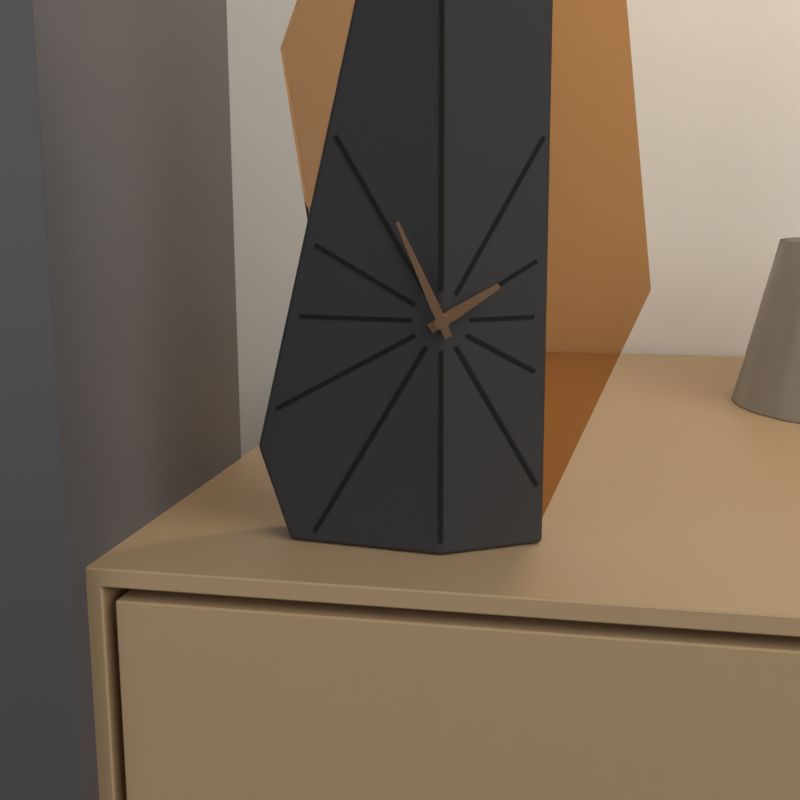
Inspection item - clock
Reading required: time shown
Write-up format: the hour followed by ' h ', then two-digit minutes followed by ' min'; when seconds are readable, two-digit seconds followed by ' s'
1 h 56 min
